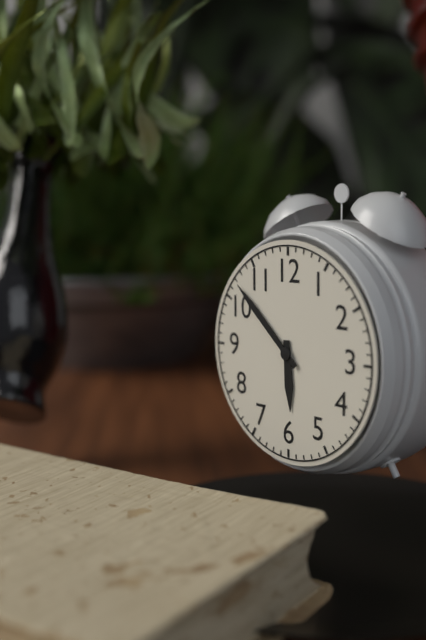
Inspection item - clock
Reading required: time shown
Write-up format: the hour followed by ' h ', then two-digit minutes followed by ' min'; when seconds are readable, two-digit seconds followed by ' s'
5 h 52 min
